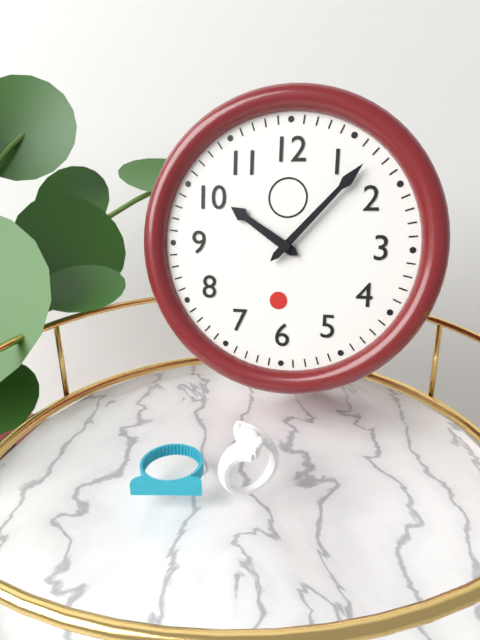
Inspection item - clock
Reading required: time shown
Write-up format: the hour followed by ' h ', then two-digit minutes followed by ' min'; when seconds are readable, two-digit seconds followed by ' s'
10 h 07 min
